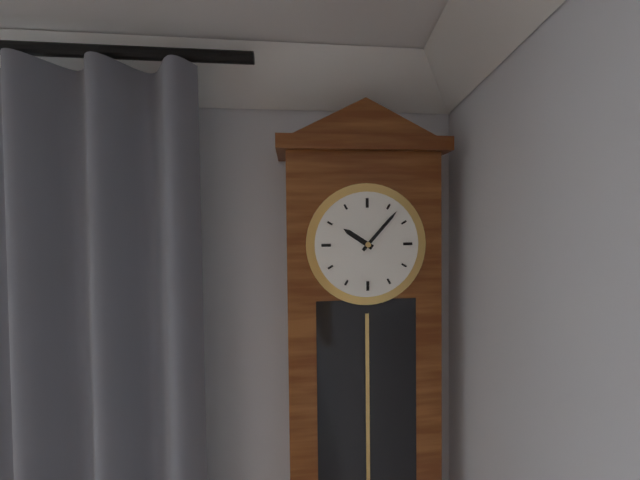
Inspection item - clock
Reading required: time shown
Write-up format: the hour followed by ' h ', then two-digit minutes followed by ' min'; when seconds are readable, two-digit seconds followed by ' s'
10 h 07 min
